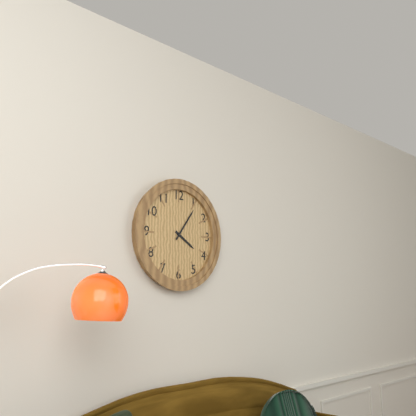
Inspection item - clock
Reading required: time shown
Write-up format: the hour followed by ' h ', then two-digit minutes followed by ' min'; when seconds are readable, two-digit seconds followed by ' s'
4 h 06 min
